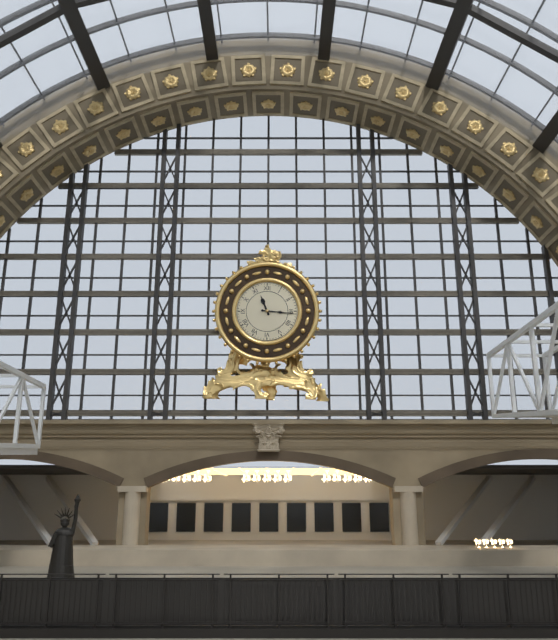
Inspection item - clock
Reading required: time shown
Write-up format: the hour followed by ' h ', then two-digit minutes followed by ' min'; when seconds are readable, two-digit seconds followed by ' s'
11 h 16 min
